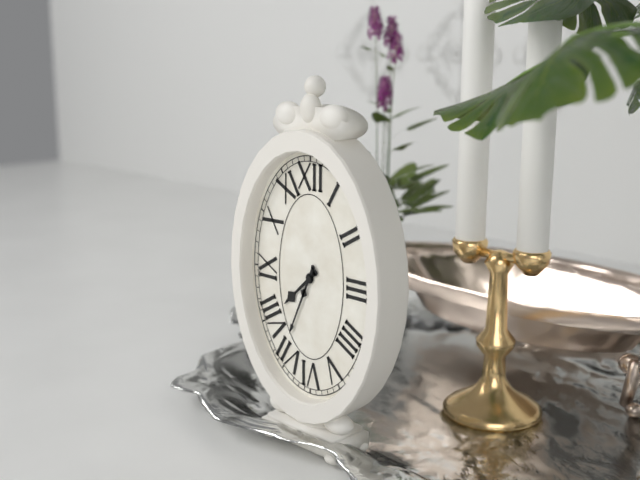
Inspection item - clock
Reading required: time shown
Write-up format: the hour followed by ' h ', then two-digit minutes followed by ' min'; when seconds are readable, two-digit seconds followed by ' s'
7 h 34 min
